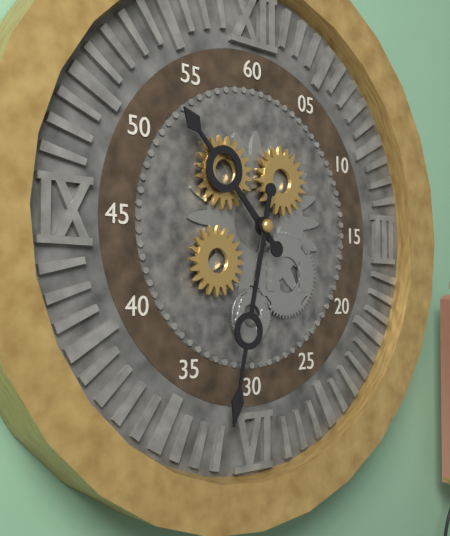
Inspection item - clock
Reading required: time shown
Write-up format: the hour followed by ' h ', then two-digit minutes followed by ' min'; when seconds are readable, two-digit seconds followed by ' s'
10 h 32 min
